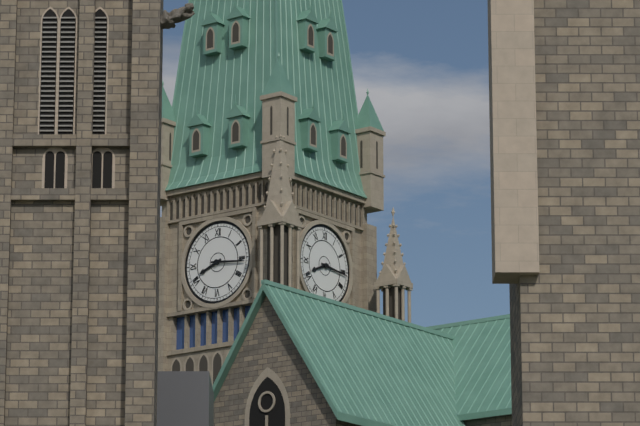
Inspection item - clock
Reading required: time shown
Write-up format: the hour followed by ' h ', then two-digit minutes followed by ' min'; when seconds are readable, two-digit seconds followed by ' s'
8 h 16 min
